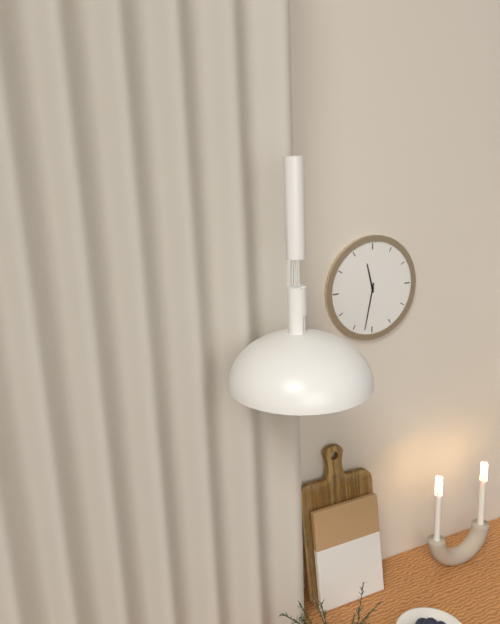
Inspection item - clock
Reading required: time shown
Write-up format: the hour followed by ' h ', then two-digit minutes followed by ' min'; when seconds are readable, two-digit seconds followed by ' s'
11 h 32 min
